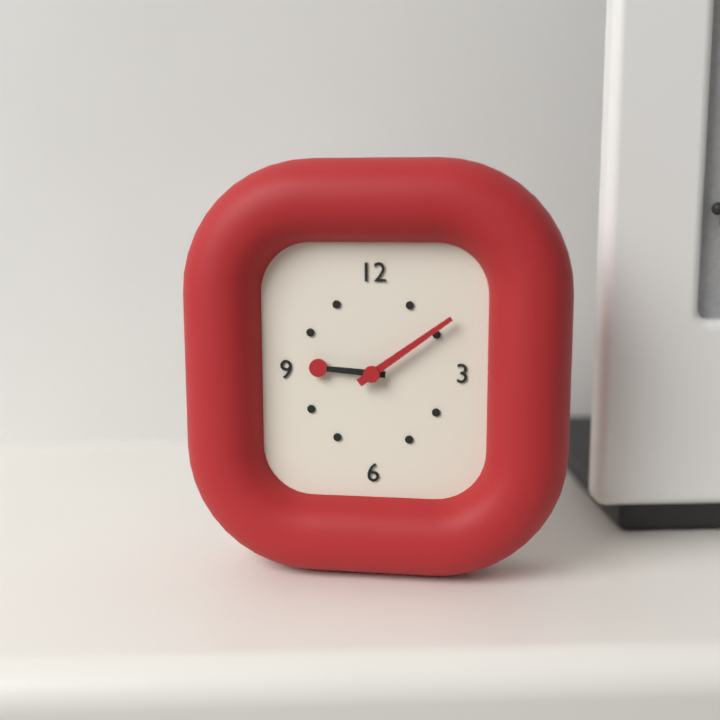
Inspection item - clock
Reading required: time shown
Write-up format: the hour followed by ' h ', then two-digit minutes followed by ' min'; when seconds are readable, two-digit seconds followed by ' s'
9 h 09 min
